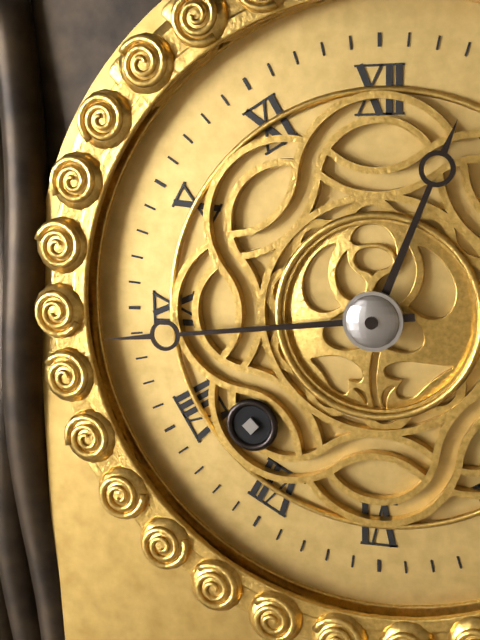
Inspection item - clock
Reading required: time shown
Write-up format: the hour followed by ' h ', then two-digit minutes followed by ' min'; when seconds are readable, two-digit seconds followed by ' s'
12 h 44 min
